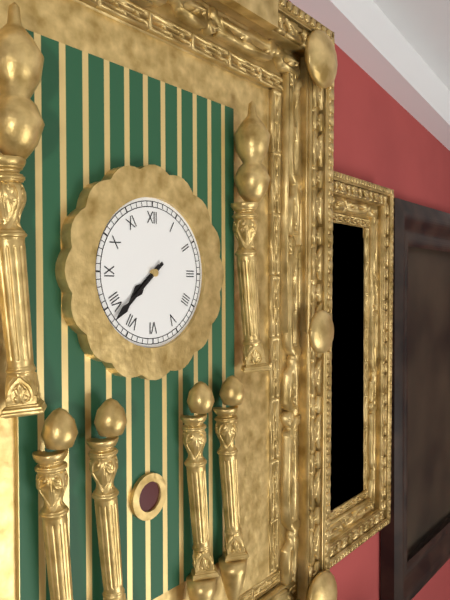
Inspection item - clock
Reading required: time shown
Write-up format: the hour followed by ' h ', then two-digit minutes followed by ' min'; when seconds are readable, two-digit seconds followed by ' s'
7 h 38 min
